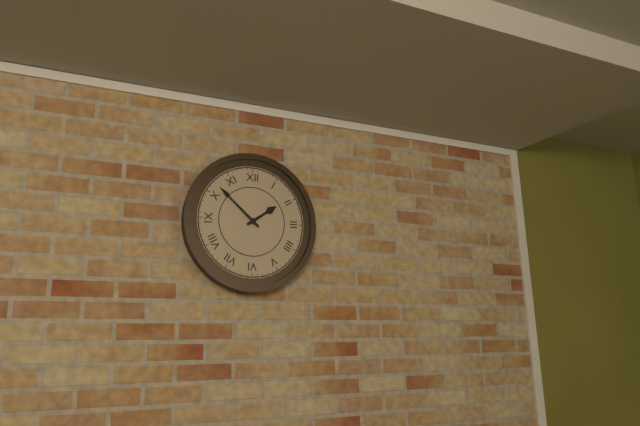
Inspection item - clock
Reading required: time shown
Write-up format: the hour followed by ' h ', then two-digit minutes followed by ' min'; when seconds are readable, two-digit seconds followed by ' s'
1 h 52 min
